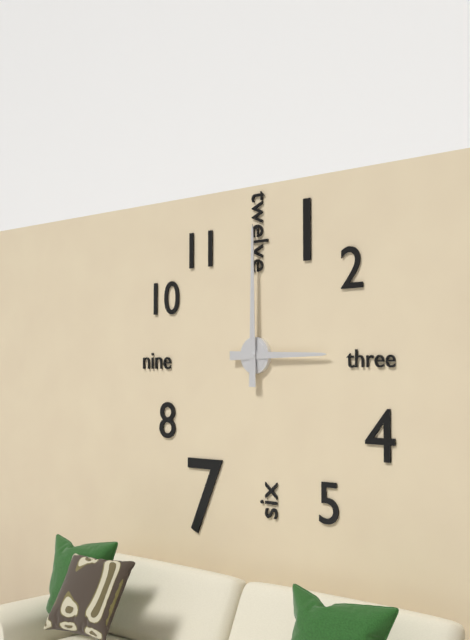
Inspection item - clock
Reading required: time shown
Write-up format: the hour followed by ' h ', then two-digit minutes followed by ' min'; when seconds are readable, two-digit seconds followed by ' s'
3 h 00 min
